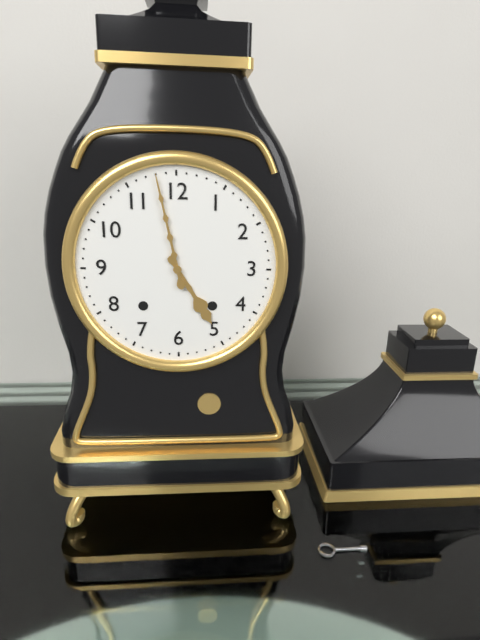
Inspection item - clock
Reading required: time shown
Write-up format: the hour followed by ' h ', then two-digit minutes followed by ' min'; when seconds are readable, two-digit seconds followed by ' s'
4 h 58 min
